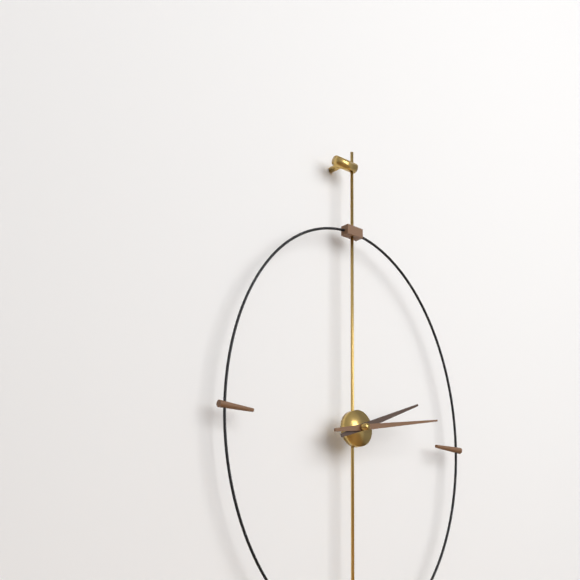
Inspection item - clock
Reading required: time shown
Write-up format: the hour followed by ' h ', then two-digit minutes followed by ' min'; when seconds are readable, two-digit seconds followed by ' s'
2 h 13 min
